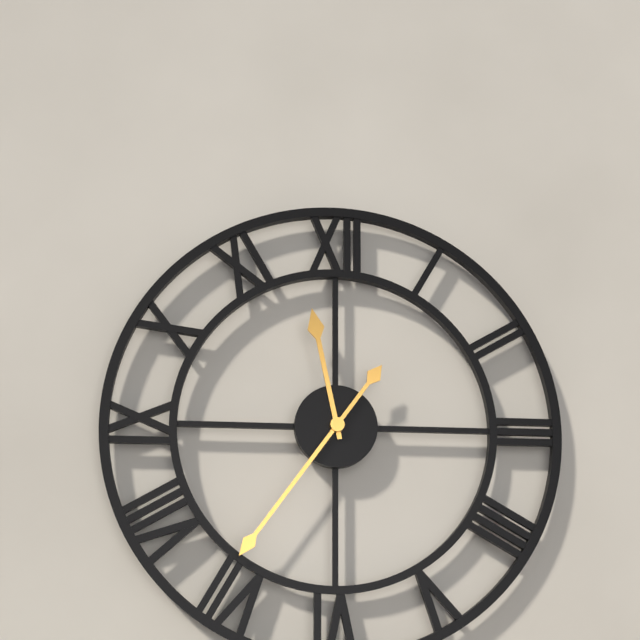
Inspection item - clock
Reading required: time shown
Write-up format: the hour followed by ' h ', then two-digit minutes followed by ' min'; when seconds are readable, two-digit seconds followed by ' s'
11 h 36 min
